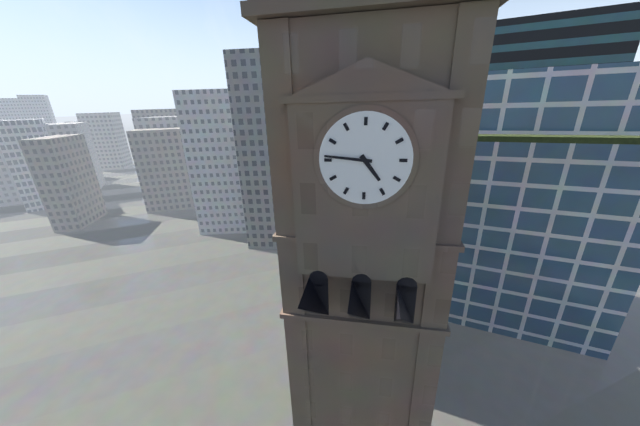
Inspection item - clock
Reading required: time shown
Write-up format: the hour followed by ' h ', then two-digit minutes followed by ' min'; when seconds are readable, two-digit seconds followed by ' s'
4 h 46 min
